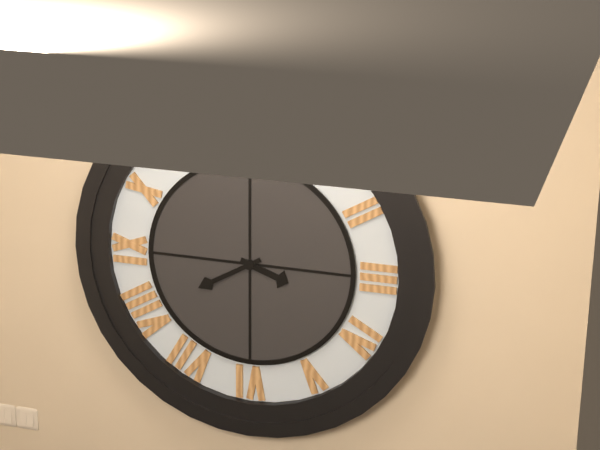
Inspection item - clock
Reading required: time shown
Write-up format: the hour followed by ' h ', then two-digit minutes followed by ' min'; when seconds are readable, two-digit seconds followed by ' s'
3 h 40 min
